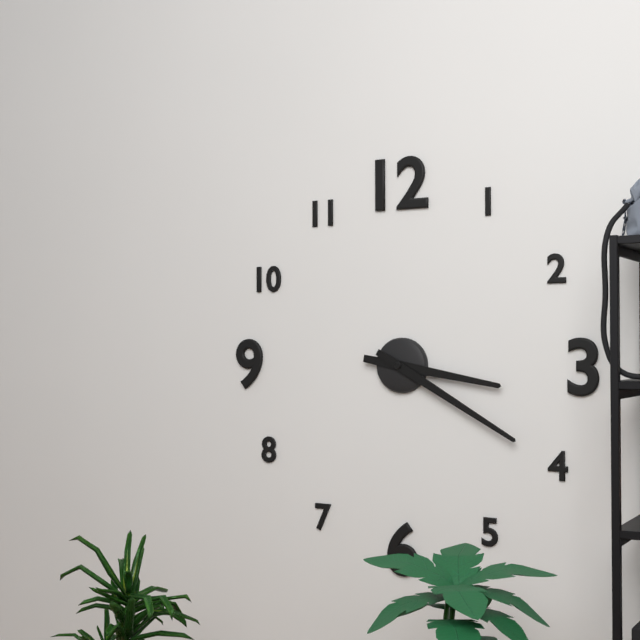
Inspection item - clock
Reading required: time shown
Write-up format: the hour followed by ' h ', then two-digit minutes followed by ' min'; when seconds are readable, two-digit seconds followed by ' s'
3 h 20 min
